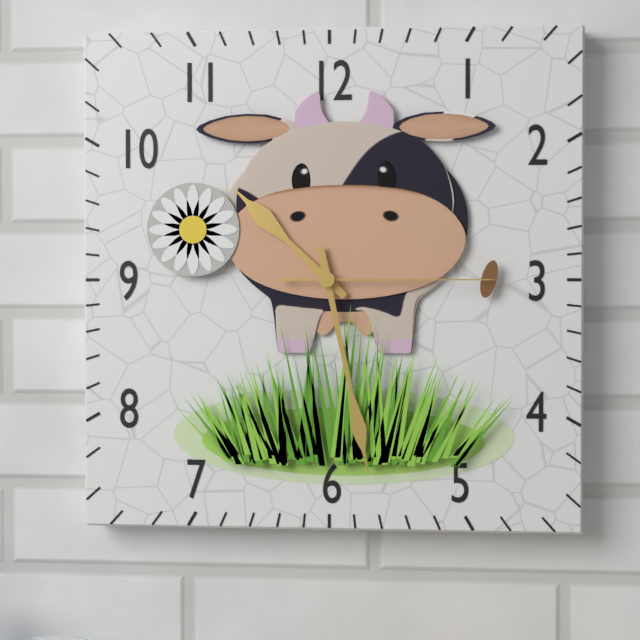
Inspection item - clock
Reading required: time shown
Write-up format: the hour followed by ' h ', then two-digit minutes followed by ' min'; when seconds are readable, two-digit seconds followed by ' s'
10 h 28 min 15 s
